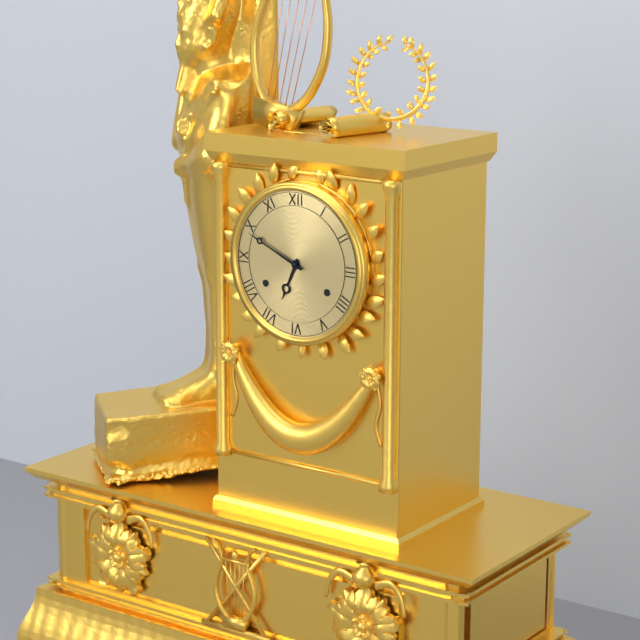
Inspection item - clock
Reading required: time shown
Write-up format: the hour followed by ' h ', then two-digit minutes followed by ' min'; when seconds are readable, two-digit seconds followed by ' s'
6 h 49 min
